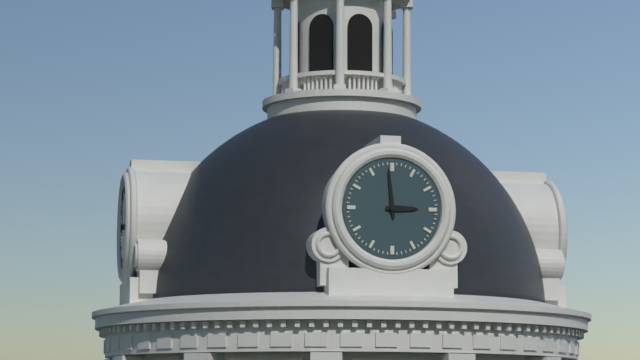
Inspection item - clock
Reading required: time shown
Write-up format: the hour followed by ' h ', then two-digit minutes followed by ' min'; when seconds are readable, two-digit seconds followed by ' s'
2 h 59 min
